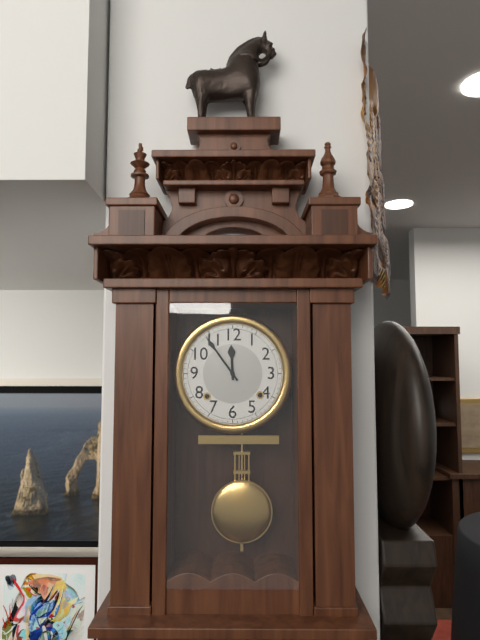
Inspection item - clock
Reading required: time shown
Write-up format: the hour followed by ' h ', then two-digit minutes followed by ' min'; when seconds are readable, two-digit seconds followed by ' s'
11 h 54 min
